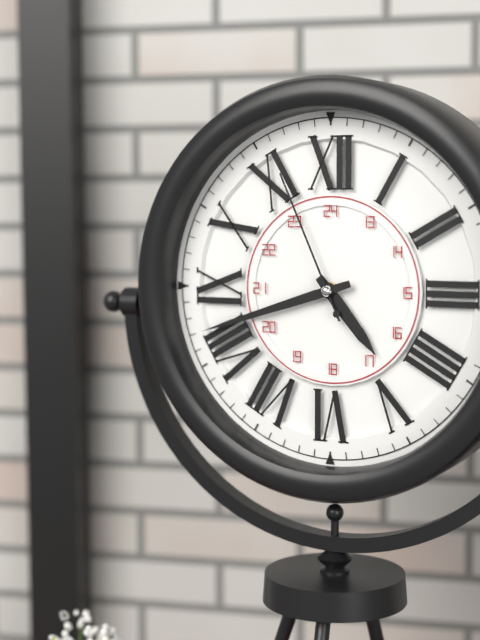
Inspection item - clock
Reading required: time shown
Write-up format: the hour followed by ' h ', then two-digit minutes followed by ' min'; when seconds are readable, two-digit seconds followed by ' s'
4 h 42 min 56 s
